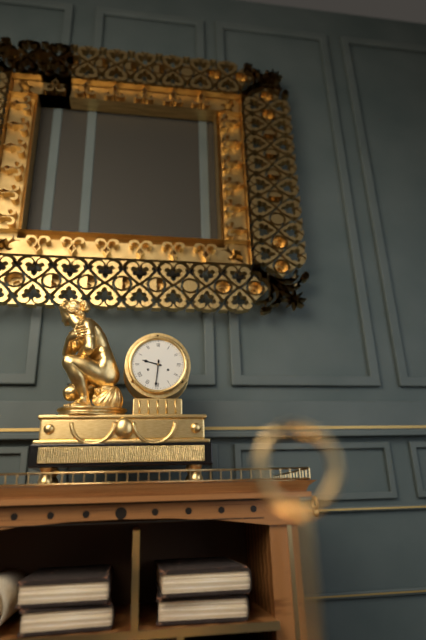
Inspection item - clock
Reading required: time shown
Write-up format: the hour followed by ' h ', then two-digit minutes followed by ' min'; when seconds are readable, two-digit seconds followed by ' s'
9 h 31 min
